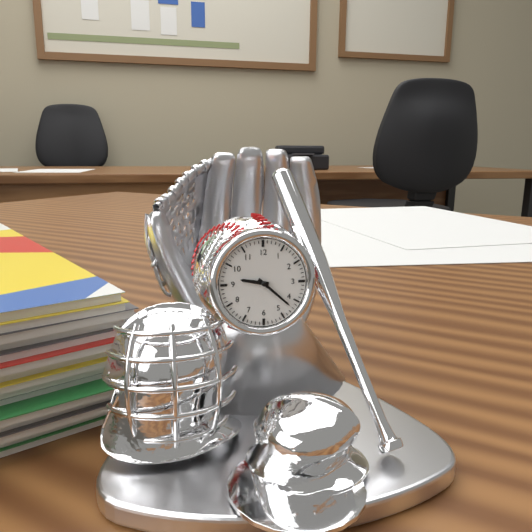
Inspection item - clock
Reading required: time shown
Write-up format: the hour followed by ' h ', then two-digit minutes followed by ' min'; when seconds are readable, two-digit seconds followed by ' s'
9 h 22 min
